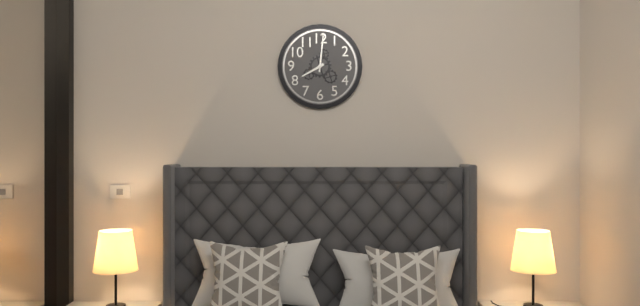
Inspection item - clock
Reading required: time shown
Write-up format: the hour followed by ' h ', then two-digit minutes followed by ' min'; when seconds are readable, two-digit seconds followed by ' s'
8 h 01 min
